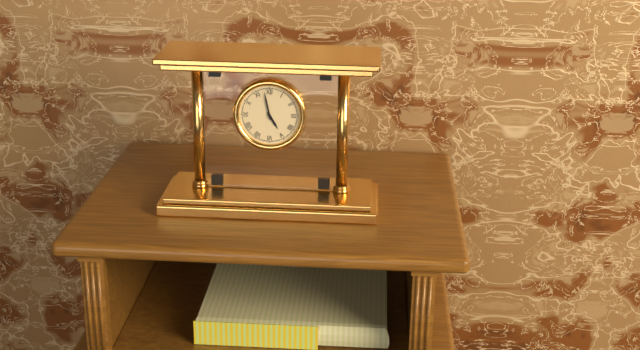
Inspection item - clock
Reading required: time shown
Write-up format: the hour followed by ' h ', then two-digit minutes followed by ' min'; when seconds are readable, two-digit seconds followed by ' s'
4 h 58 min
